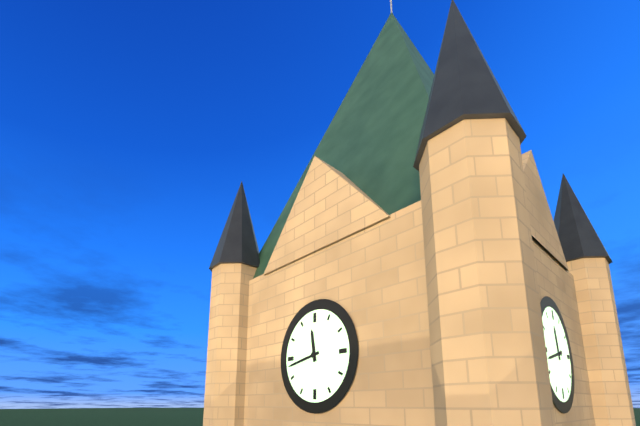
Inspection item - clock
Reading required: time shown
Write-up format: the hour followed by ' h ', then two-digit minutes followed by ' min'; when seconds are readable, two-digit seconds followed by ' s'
11 h 43 min
